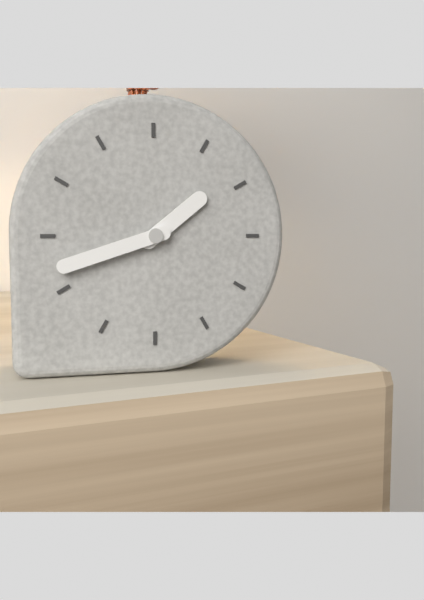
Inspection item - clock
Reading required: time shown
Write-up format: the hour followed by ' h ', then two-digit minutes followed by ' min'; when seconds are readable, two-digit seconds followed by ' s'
1 h 42 min
